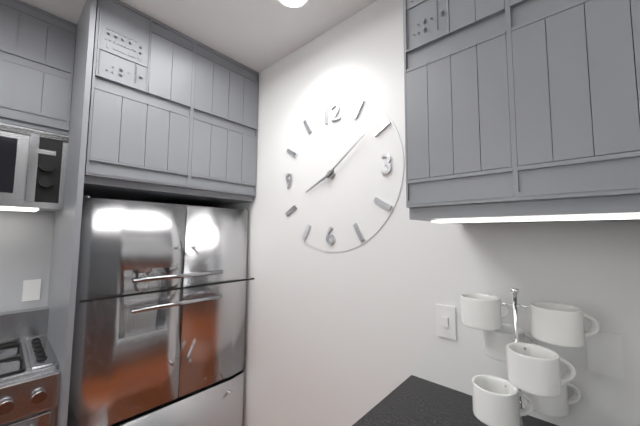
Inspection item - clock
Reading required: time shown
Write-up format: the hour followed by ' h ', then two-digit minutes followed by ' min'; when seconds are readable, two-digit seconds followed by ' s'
8 h 09 min
